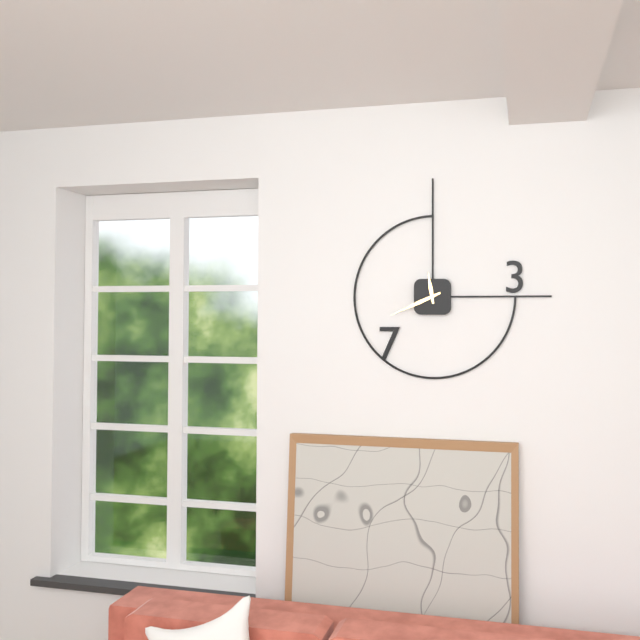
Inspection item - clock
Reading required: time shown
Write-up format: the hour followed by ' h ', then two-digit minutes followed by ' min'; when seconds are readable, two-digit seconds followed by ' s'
11 h 41 min
